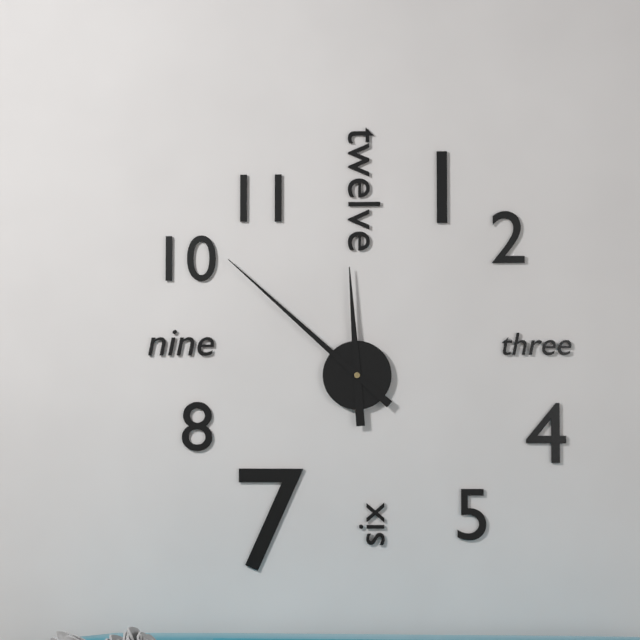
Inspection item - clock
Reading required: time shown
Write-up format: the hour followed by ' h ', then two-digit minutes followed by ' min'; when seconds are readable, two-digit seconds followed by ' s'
11 h 52 min
